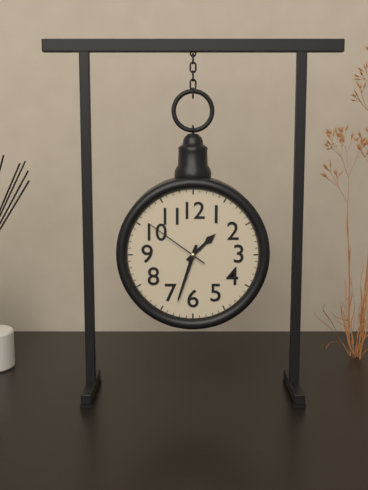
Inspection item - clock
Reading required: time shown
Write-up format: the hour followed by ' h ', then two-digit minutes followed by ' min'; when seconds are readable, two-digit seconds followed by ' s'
1 h 33 min 51 s
